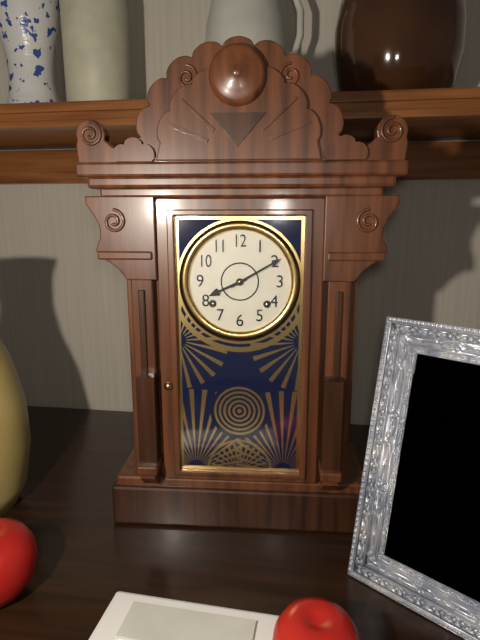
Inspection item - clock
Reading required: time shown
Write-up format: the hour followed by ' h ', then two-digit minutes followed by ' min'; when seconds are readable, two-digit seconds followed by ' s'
8 h 10 min
